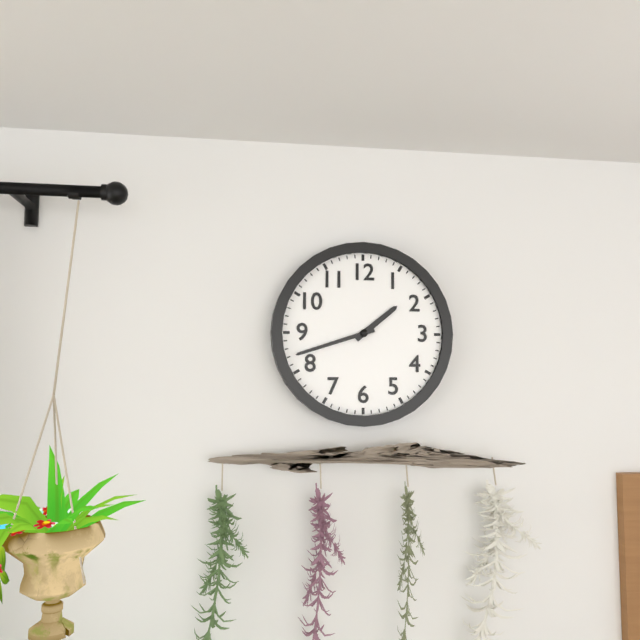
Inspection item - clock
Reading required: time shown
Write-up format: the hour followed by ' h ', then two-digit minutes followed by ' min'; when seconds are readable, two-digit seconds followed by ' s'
1 h 42 min
